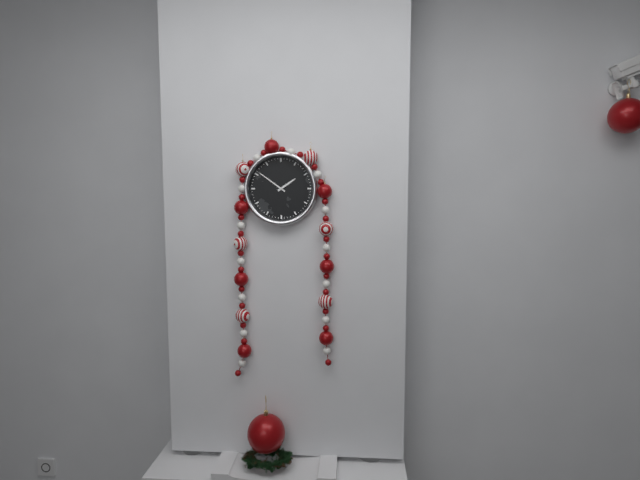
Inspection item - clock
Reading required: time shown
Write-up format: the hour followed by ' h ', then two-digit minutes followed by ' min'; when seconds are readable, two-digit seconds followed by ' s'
1 h 51 min
